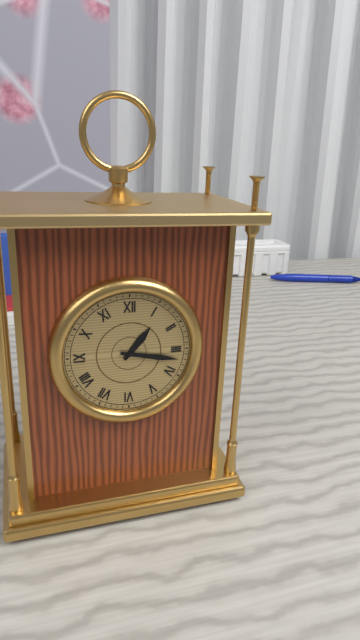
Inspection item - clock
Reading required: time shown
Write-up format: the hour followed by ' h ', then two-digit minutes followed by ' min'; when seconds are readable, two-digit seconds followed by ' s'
1 h 17 min
